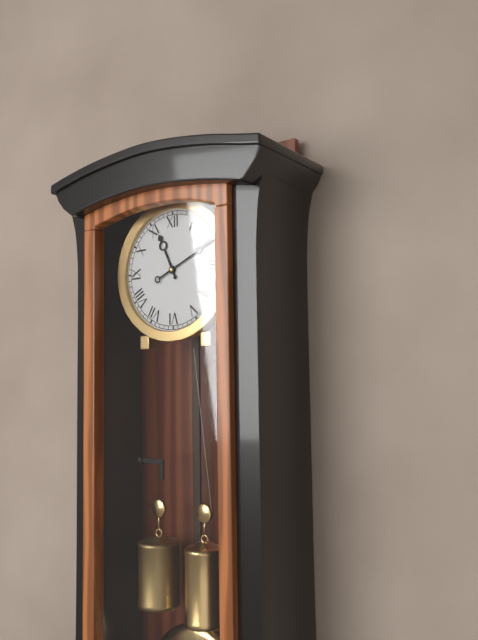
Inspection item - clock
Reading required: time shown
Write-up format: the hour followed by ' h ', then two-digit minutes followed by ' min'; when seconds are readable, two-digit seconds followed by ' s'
11 h 11 min
